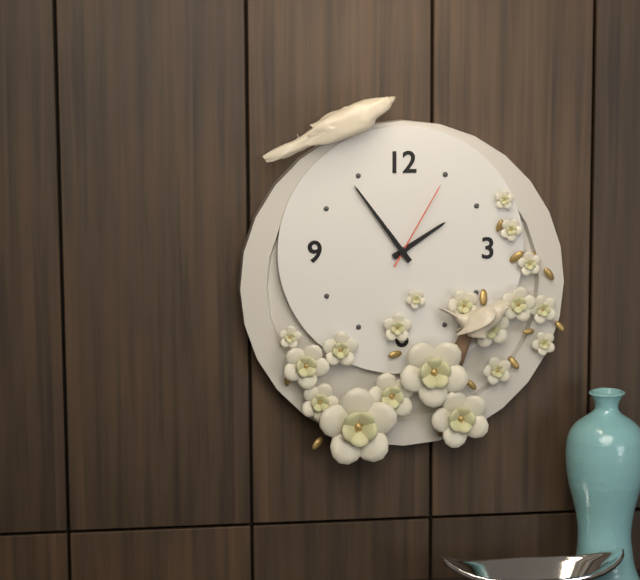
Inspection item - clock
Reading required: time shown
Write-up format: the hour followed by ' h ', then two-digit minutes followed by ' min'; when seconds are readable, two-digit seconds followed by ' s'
1 h 54 min 05 s
